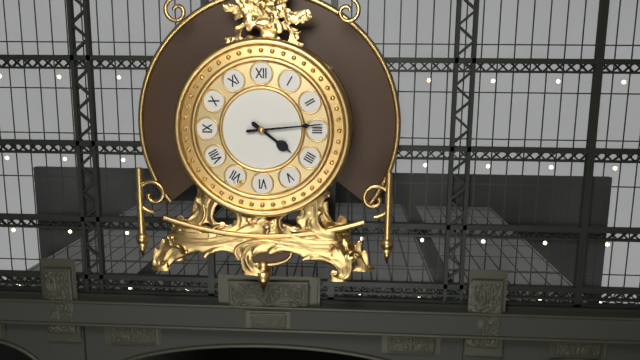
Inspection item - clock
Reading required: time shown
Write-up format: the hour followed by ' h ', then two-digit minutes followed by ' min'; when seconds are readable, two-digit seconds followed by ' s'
4 h 14 min
